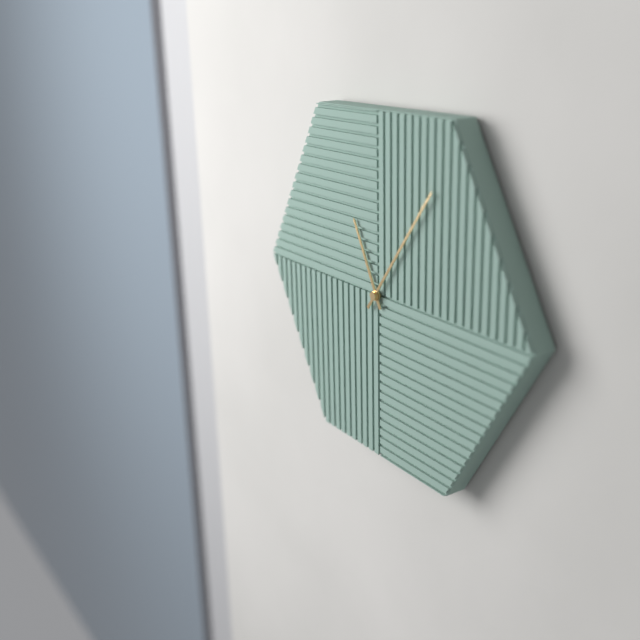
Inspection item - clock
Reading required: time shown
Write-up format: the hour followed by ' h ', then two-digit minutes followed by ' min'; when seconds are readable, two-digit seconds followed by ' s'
11 h 06 min
